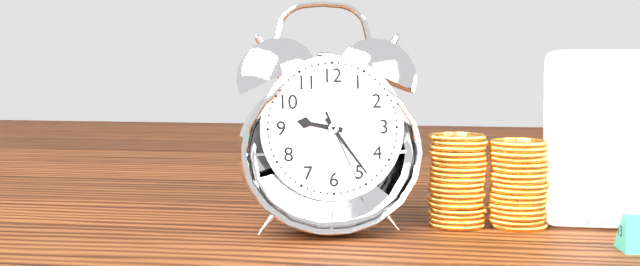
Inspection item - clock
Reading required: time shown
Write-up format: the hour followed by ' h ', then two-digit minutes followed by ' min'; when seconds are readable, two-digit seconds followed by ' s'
9 h 24 min 26 s
